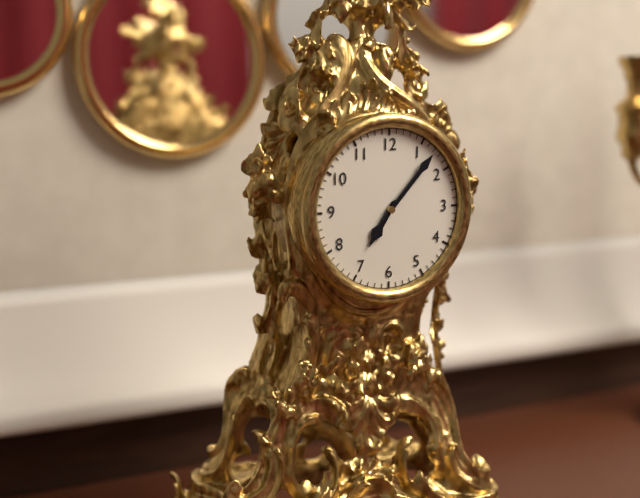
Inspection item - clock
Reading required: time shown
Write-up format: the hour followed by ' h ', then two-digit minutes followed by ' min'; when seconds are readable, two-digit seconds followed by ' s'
7 h 07 min
